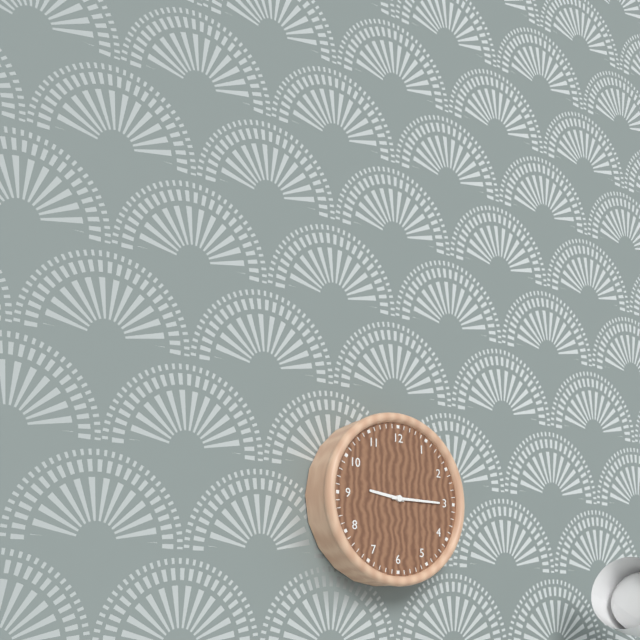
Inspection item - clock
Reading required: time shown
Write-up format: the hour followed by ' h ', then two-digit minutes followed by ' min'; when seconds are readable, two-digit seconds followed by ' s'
9 h 15 min
